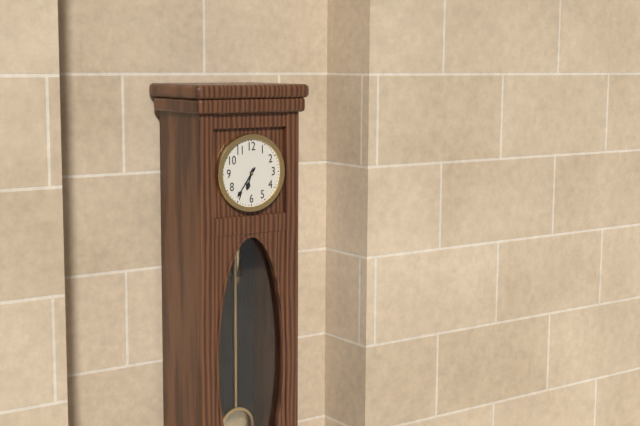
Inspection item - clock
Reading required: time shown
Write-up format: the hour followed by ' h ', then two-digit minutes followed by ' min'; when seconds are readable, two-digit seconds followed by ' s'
6 h 36 min
